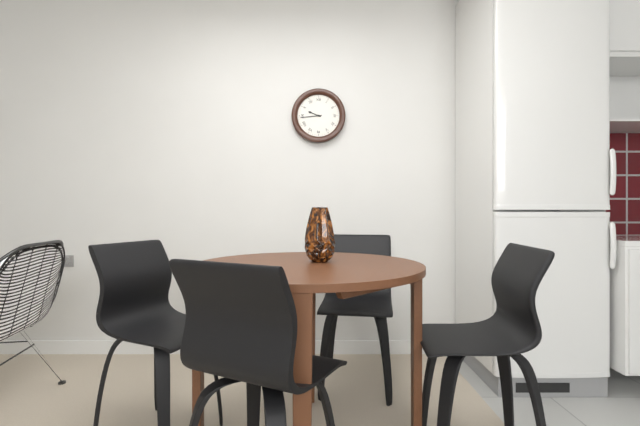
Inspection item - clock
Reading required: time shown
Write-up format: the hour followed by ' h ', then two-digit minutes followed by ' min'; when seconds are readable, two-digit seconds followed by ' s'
9 h 44 min
